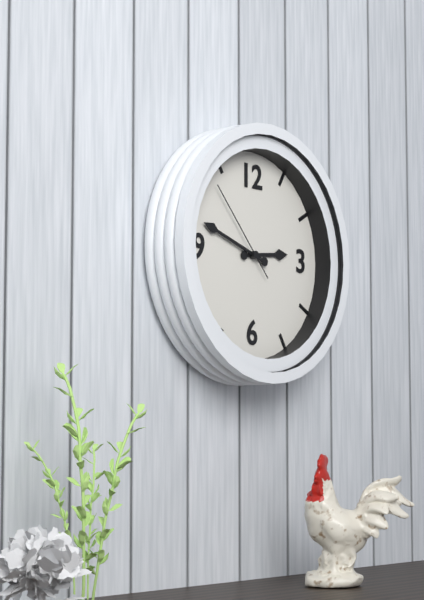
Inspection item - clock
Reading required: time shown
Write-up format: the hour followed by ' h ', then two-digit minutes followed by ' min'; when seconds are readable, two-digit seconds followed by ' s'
2 h 48 min 53 s
